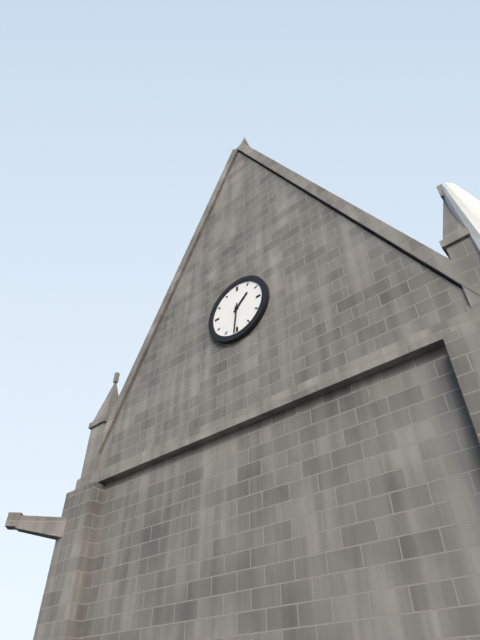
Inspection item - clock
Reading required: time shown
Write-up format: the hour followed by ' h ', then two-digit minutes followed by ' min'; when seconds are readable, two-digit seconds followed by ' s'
1 h 31 min
